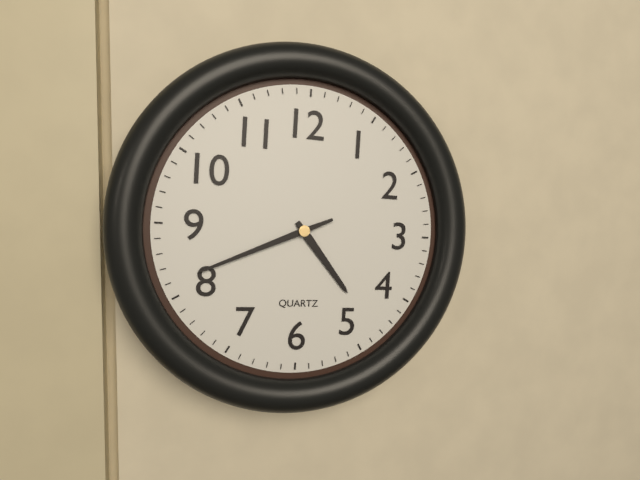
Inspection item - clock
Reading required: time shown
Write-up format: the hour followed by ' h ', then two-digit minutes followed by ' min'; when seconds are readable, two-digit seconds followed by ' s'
4 h 41 min
